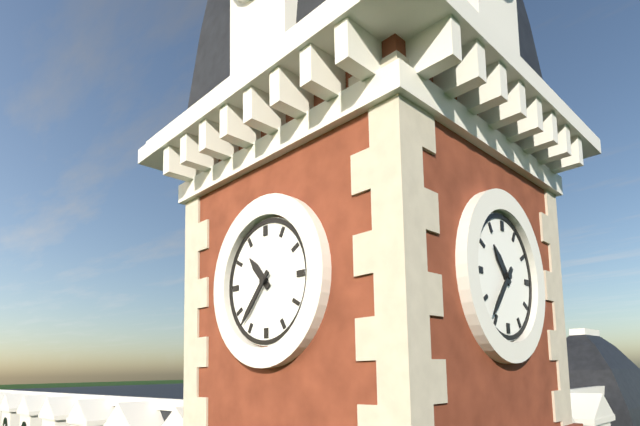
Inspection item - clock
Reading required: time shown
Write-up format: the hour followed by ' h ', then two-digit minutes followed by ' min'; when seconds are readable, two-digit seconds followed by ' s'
10 h 37 min
